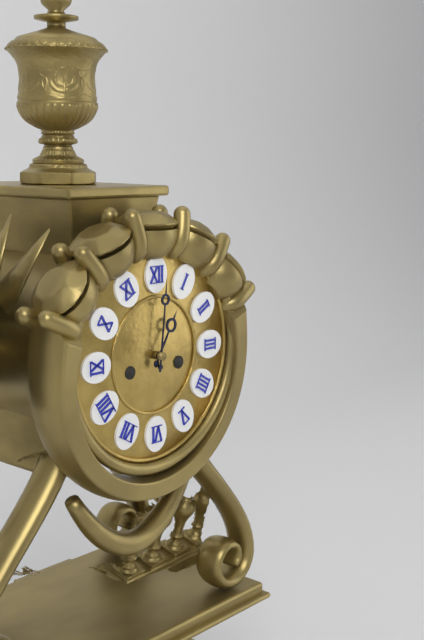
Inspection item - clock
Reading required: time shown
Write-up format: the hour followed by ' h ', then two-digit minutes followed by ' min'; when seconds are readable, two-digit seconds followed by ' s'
1 h 01 min
